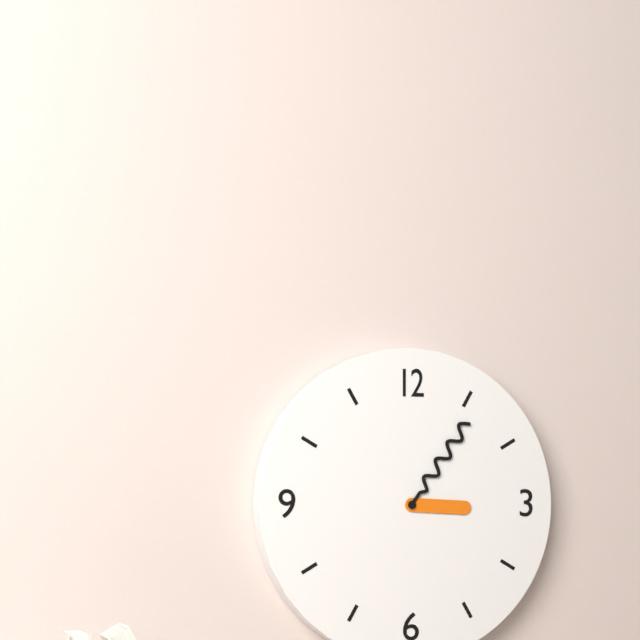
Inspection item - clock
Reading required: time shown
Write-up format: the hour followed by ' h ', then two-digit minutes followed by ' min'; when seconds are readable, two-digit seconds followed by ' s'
3 h 06 min
